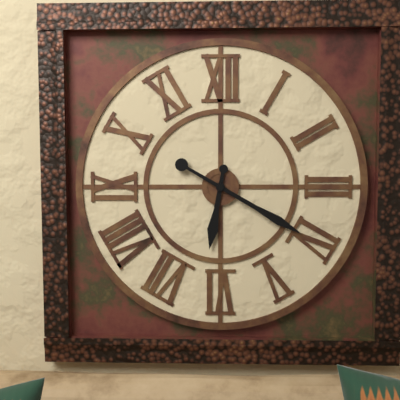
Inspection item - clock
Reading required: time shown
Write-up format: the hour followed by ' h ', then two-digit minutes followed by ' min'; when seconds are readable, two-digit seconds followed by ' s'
6 h 20 min
